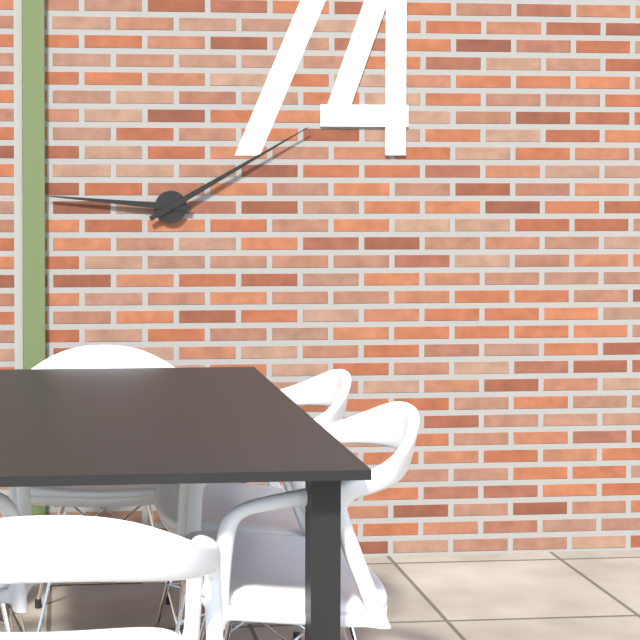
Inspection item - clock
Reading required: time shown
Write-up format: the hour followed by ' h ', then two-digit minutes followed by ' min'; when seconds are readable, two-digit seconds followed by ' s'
9 h 10 min
